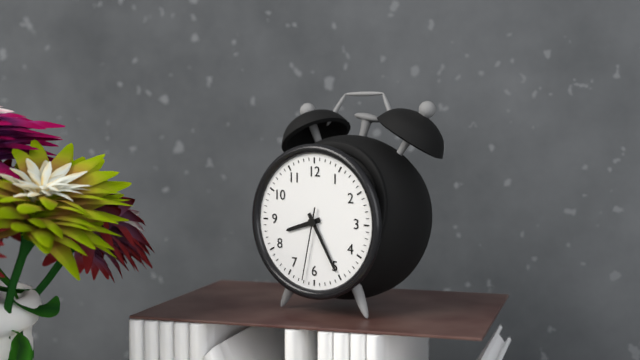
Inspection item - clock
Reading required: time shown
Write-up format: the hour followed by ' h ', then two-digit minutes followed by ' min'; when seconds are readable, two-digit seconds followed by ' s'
8 h 25 min 32 s
